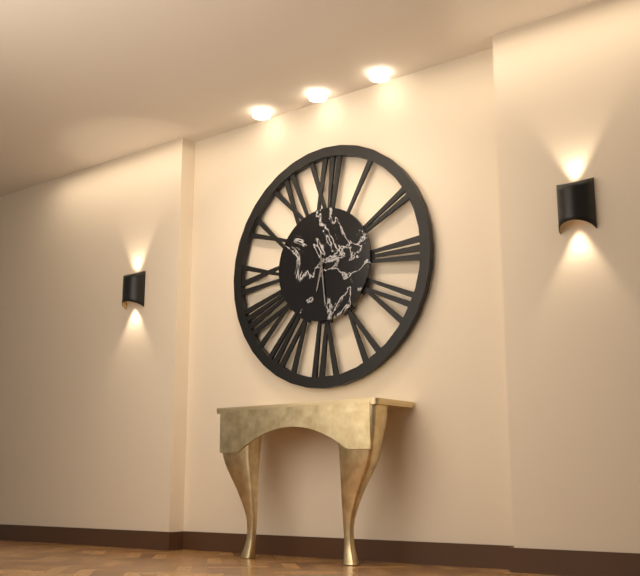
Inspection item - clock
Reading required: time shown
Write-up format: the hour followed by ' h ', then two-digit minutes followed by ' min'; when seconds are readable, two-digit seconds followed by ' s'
6 h 29 min
